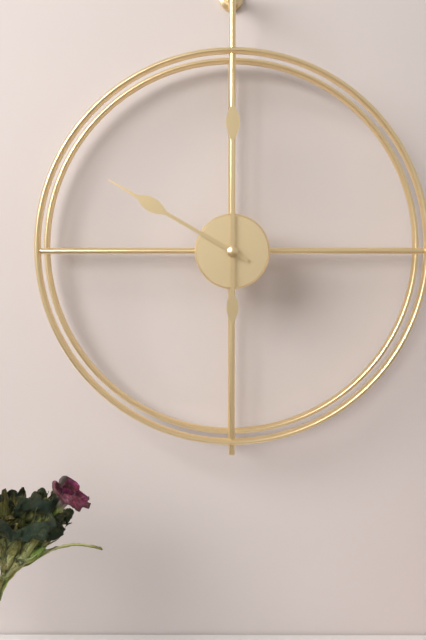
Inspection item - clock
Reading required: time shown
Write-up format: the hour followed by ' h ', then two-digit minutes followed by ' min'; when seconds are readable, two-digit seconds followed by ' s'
10 h 00 min
